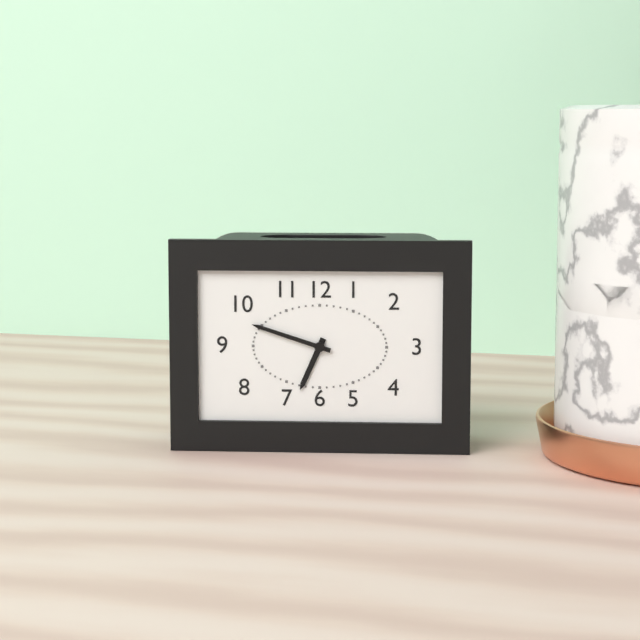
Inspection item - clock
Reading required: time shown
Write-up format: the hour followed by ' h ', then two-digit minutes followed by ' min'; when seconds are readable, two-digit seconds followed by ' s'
6 h 48 min
